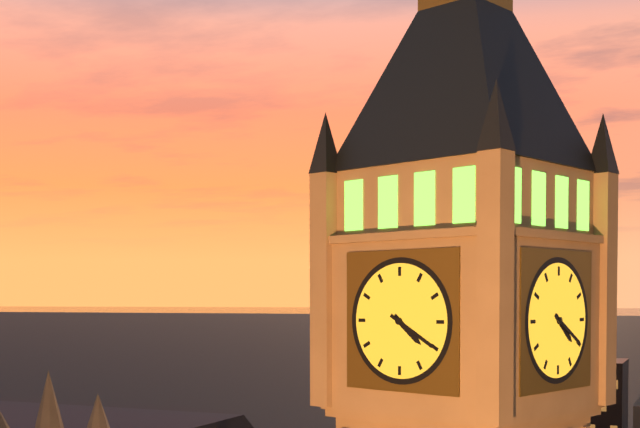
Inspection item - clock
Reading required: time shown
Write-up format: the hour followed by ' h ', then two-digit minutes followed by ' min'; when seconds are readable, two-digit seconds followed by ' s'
4 h 20 min
